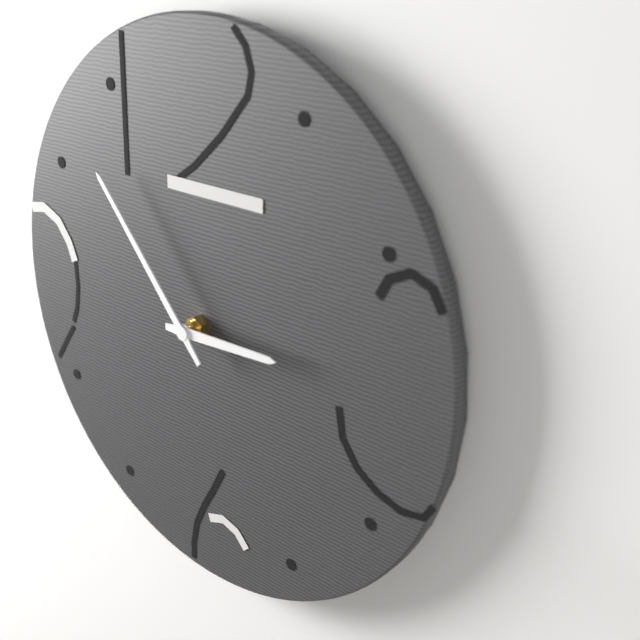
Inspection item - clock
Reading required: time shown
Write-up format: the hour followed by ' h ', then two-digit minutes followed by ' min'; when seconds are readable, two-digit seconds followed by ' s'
2 h 53 min
